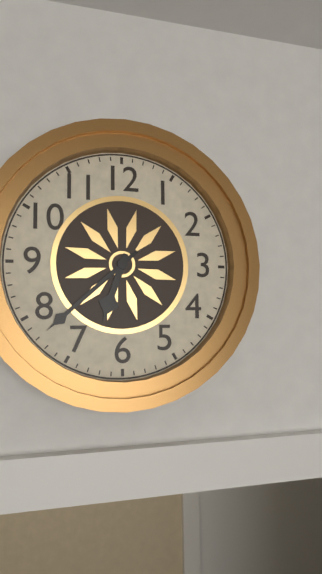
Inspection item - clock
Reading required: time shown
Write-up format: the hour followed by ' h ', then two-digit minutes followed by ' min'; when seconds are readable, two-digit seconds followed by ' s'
6 h 38 min
